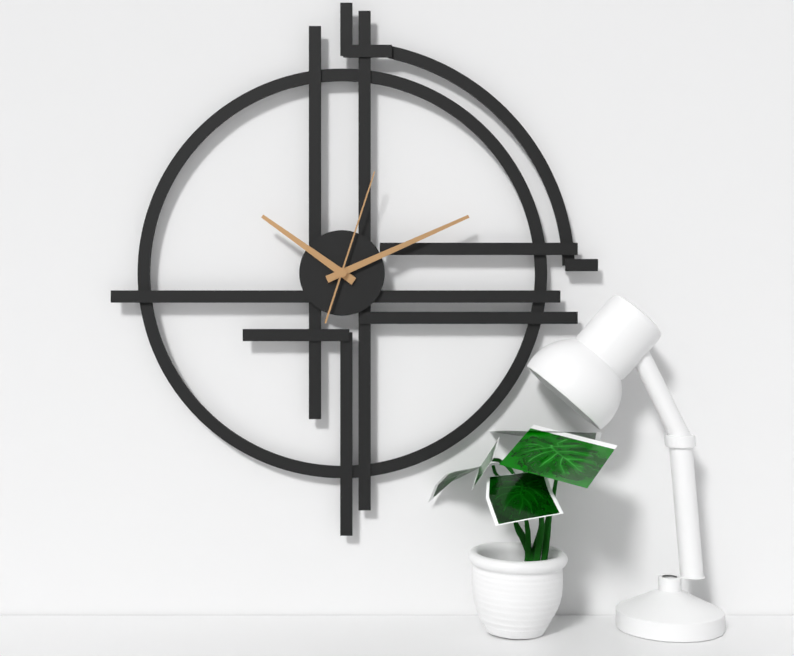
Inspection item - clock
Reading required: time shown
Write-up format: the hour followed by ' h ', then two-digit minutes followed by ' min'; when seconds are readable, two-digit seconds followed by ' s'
10 h 11 min 03 s
